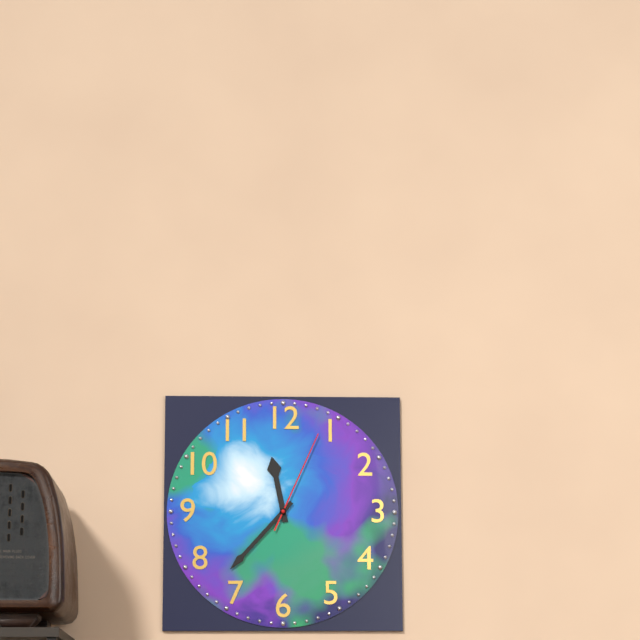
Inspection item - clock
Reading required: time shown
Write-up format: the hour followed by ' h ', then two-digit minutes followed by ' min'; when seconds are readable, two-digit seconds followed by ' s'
11 h 37 min 04 s
